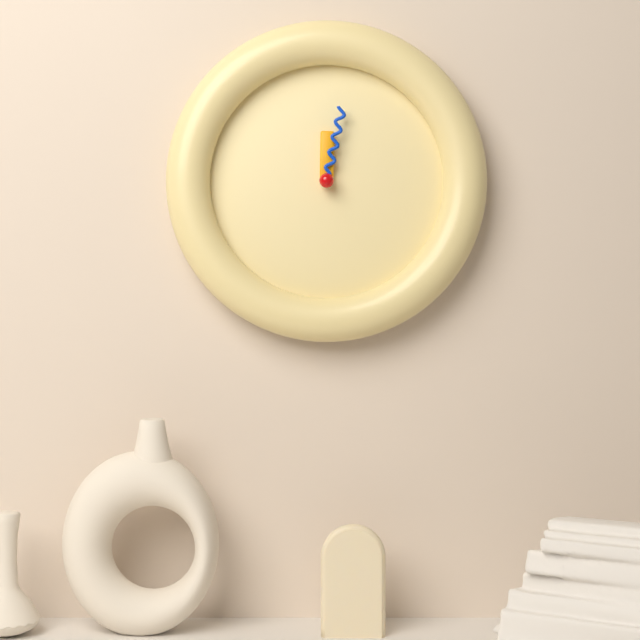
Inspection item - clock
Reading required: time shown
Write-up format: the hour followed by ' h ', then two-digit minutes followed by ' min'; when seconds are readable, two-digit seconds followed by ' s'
12 h 02 min
